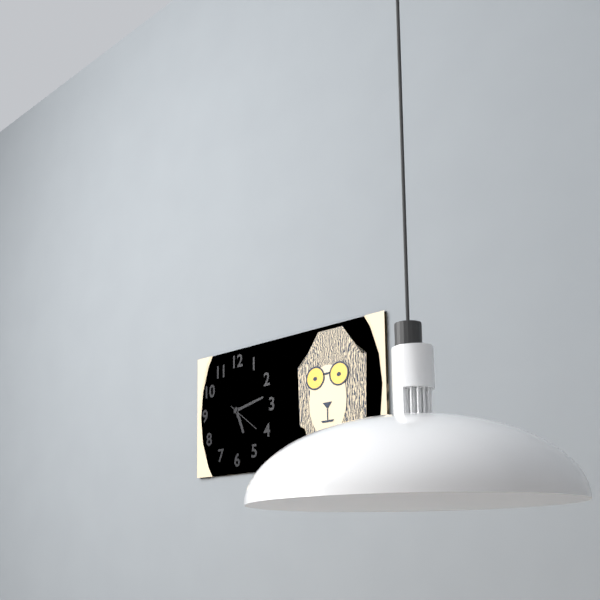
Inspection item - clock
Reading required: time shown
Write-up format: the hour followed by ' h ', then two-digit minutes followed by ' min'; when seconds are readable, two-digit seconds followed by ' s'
5 h 13 min
